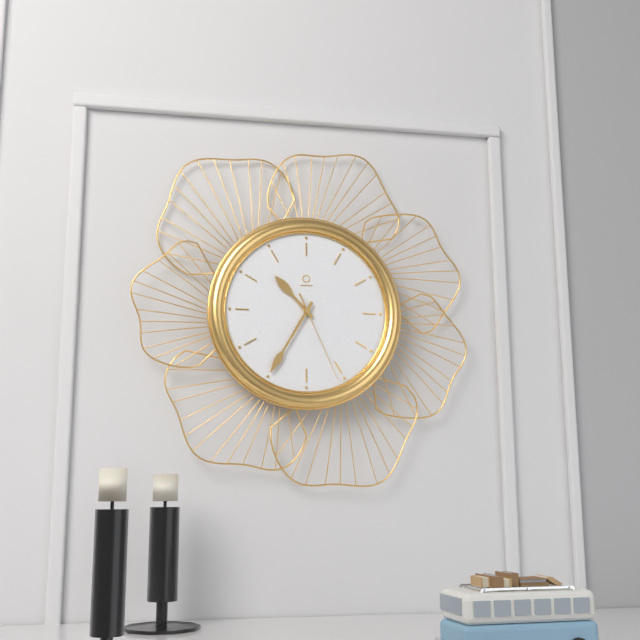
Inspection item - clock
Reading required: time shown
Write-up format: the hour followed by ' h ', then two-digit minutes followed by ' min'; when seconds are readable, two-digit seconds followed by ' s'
10 h 35 min 26 s
